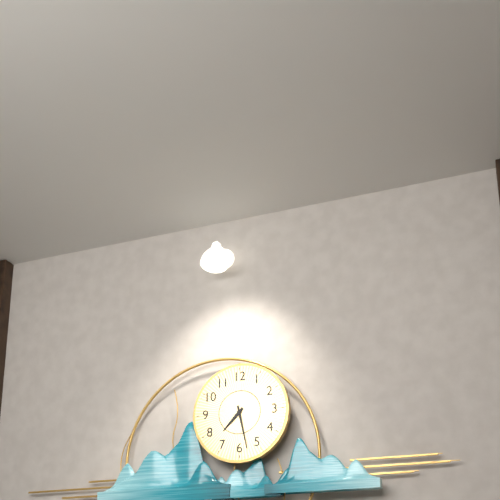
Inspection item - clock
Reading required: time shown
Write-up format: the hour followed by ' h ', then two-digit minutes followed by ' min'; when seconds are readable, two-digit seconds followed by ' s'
7 h 28 min
